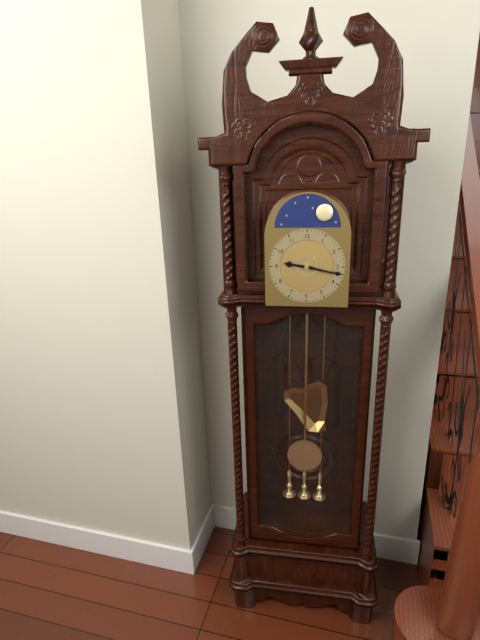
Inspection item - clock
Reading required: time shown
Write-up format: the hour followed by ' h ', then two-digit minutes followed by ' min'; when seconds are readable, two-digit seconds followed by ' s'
9 h 17 min
